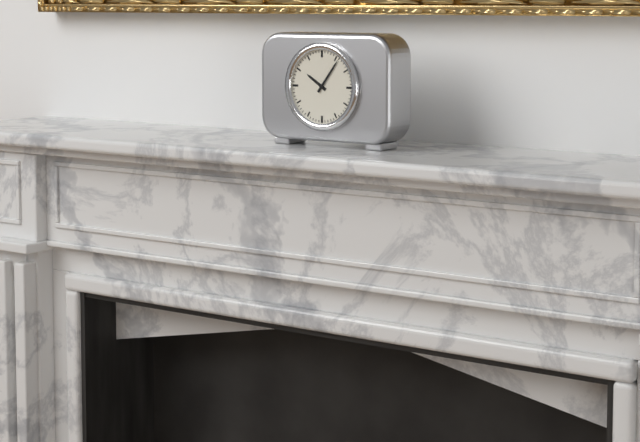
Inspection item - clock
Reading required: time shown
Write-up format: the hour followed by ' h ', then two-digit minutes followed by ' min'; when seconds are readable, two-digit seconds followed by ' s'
10 h 06 min
